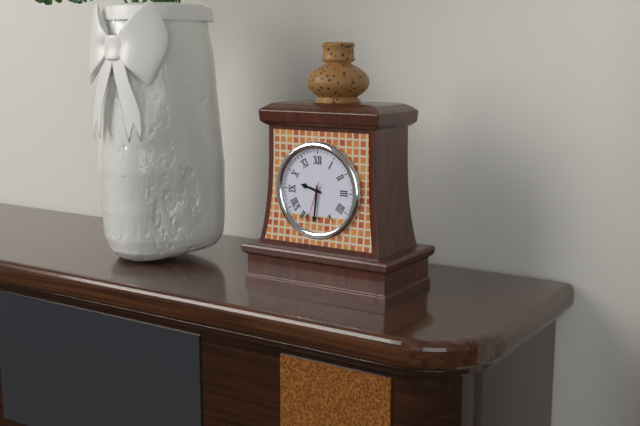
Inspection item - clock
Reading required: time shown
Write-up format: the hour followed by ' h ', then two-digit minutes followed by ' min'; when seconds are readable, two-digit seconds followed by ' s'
9 h 31 min
